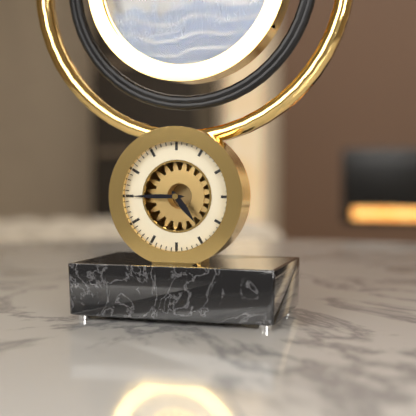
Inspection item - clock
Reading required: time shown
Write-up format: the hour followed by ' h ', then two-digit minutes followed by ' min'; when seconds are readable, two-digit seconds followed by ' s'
4 h 45 min
